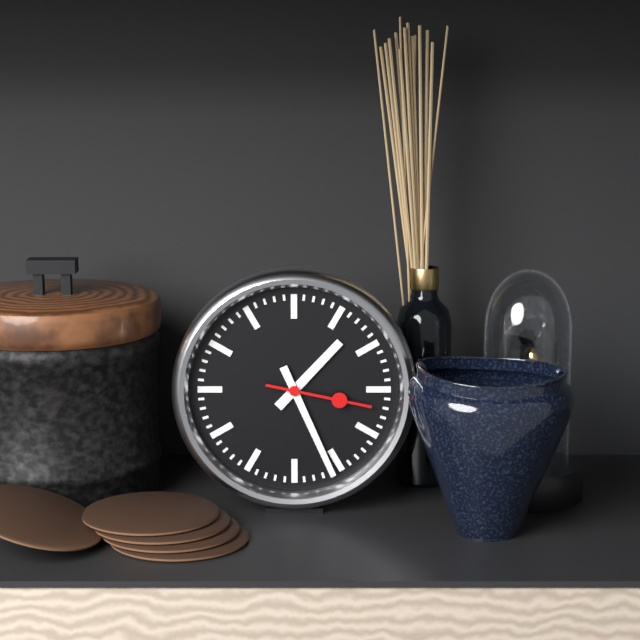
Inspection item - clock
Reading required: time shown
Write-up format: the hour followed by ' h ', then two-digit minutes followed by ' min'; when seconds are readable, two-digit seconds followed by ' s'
1 h 26 min 17 s
